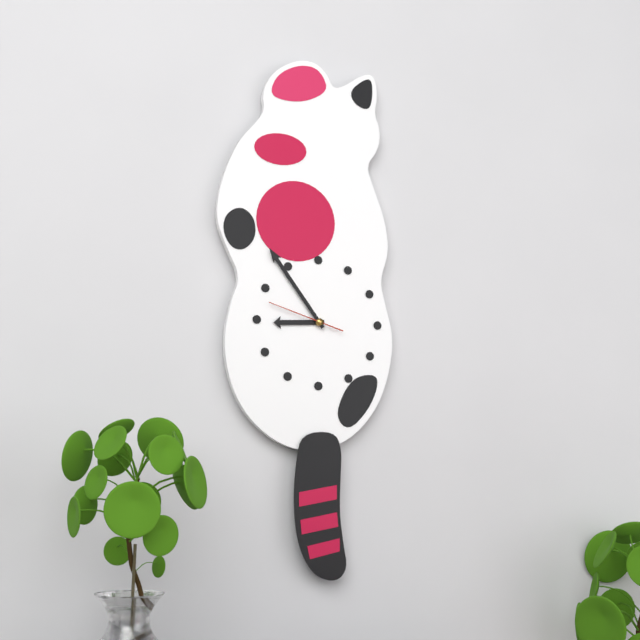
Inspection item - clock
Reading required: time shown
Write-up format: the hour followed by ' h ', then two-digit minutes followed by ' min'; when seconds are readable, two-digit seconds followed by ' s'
8 h 54 min 48 s
